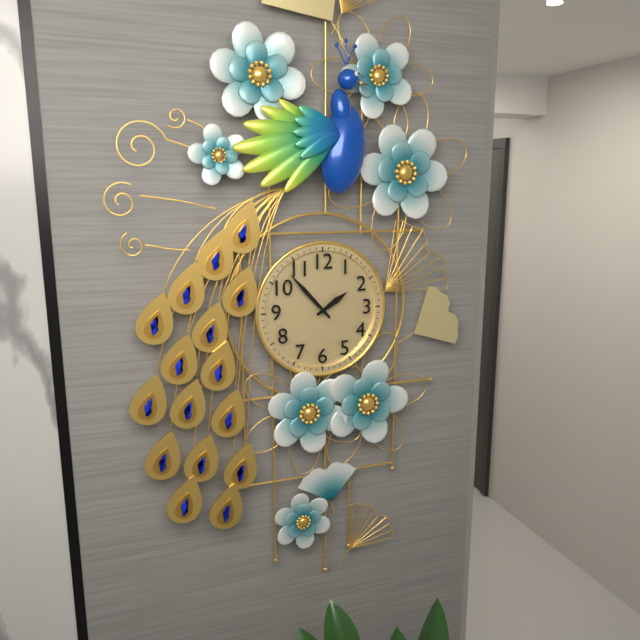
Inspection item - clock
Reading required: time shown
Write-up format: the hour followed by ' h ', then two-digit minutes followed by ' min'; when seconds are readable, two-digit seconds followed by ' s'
1 h 53 min
